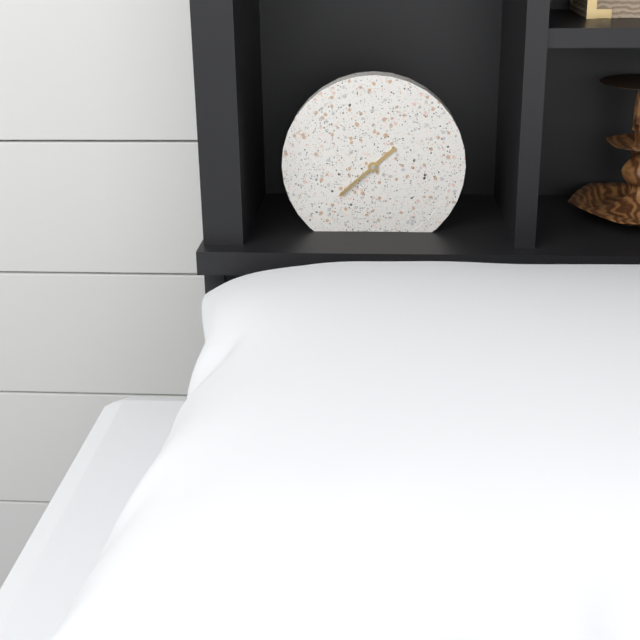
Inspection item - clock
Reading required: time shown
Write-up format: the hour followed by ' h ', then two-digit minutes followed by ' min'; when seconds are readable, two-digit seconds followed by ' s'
1 h 38 min
